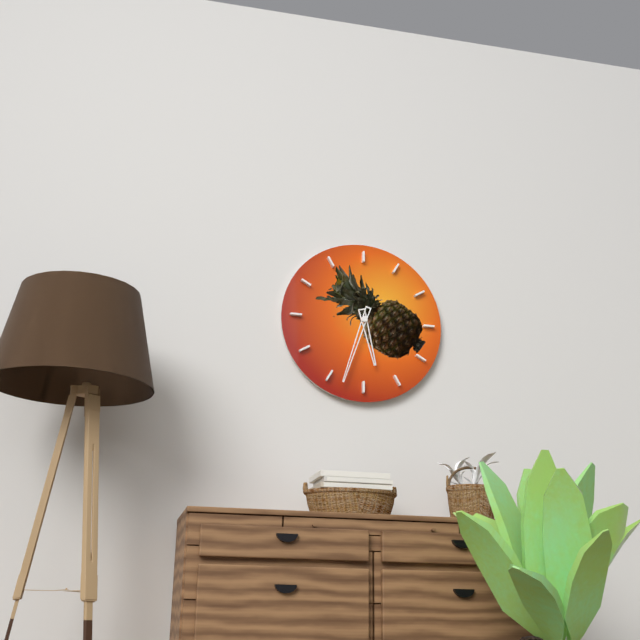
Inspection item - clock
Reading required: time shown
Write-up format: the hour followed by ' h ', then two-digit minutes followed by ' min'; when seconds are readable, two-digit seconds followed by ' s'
5 h 33 min
